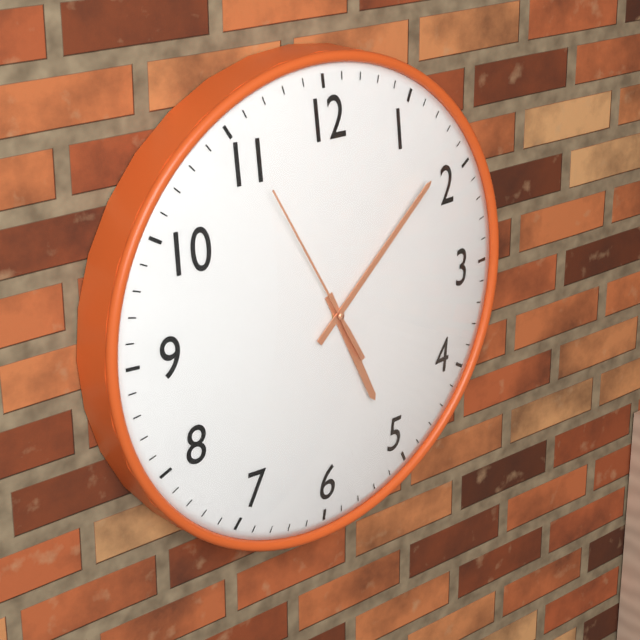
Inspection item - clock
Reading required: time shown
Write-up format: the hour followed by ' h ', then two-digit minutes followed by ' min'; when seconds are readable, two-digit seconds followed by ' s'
5 h 08 min 55 s
